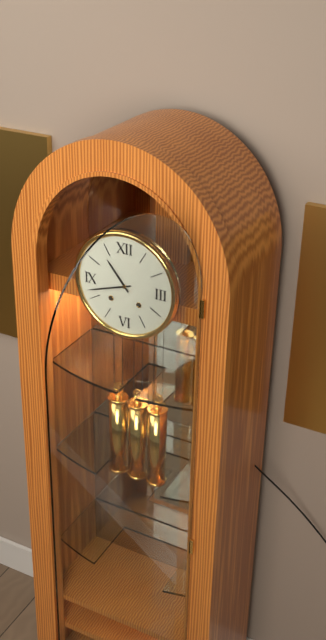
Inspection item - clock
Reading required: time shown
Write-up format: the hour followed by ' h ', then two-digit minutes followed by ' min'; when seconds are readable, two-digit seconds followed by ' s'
10 h 42 min
